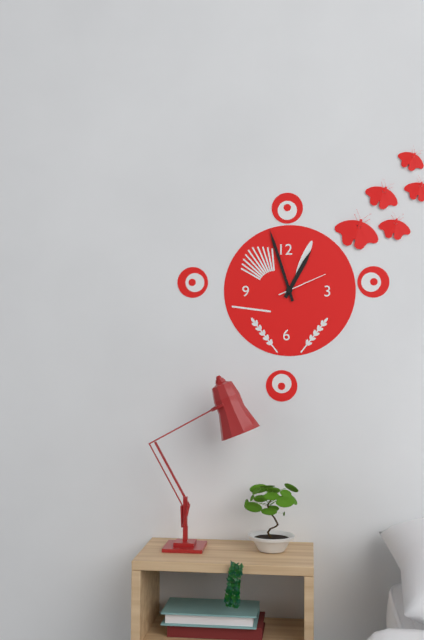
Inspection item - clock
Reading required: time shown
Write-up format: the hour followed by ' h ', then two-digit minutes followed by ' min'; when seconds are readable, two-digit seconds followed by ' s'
12 h 57 min
